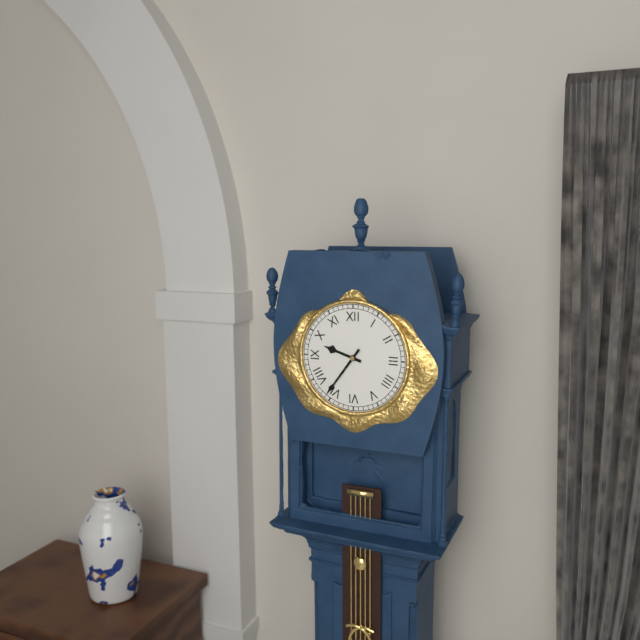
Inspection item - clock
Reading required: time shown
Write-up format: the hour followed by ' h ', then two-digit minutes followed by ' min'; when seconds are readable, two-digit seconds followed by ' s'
9 h 36 min
